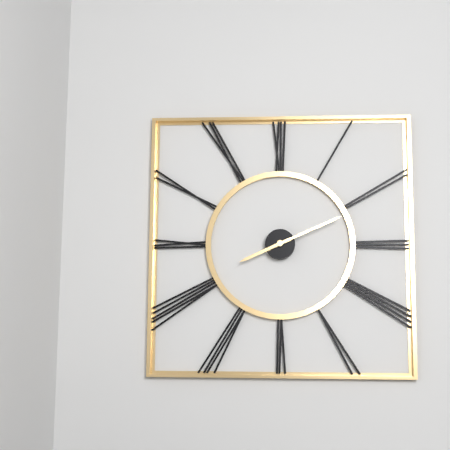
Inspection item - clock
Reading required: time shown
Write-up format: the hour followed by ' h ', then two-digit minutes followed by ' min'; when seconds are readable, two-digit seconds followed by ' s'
8 h 11 min
